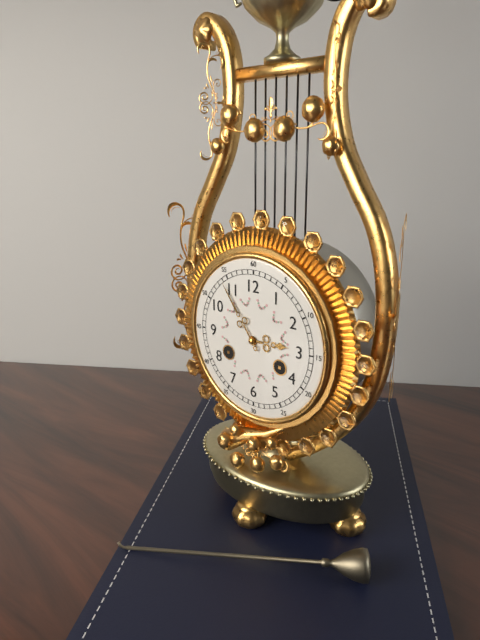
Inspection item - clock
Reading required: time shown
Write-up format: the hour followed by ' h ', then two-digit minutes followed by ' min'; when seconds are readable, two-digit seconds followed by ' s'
2 h 54 min
